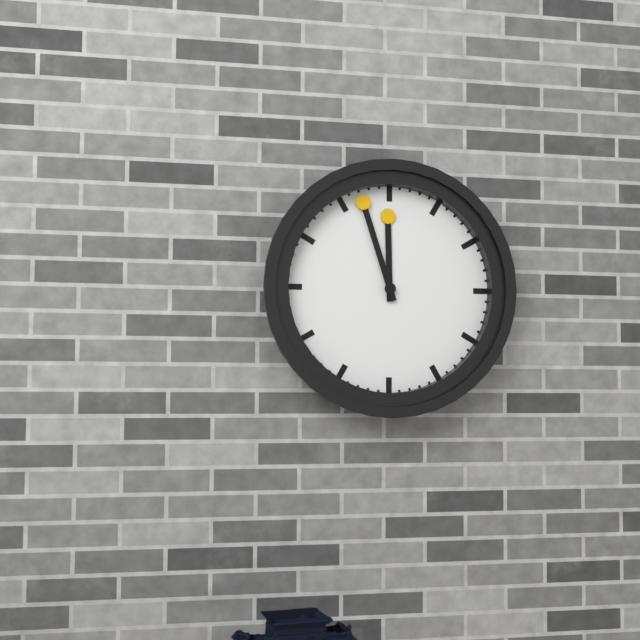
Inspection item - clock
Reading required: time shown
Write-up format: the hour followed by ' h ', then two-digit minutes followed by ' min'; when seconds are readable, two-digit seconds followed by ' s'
11 h 57 min
